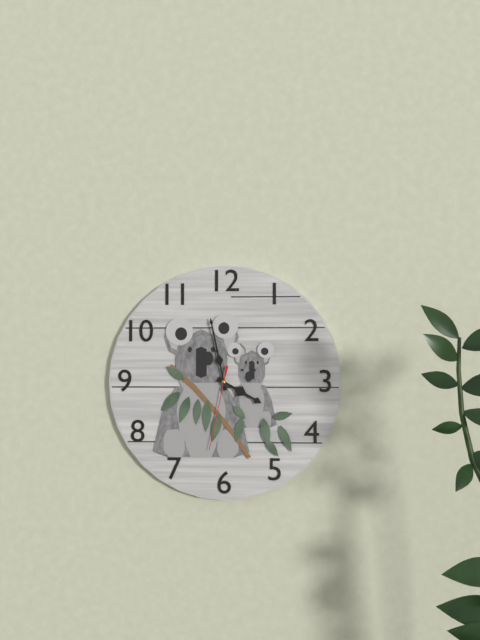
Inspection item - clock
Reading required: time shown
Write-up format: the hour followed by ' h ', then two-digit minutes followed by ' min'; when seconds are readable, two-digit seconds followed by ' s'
3 h 58 min 32 s
